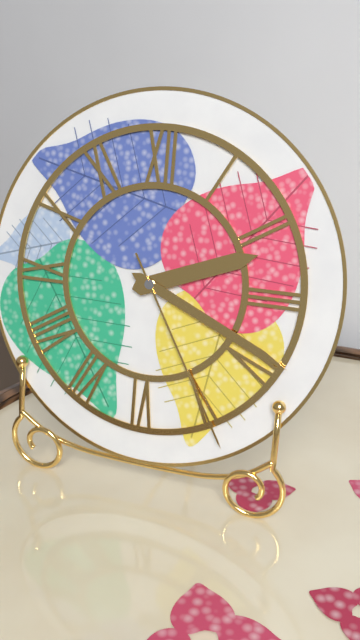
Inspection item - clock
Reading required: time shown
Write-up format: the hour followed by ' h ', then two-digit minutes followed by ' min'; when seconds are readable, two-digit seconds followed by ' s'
2 h 19 min 25 s
